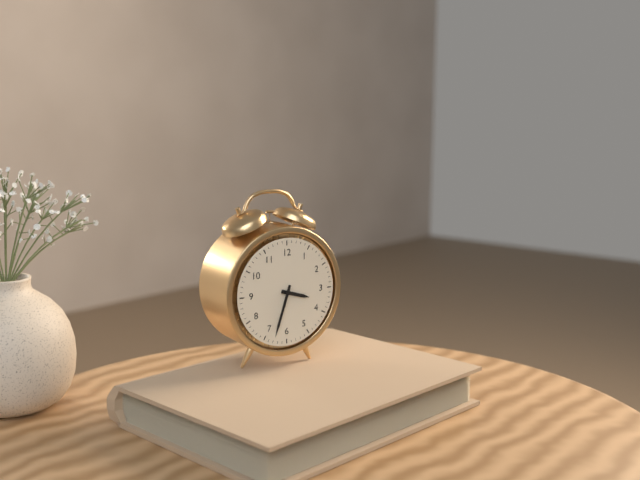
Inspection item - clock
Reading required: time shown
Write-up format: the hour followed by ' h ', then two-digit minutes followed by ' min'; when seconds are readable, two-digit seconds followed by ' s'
3 h 33 min
